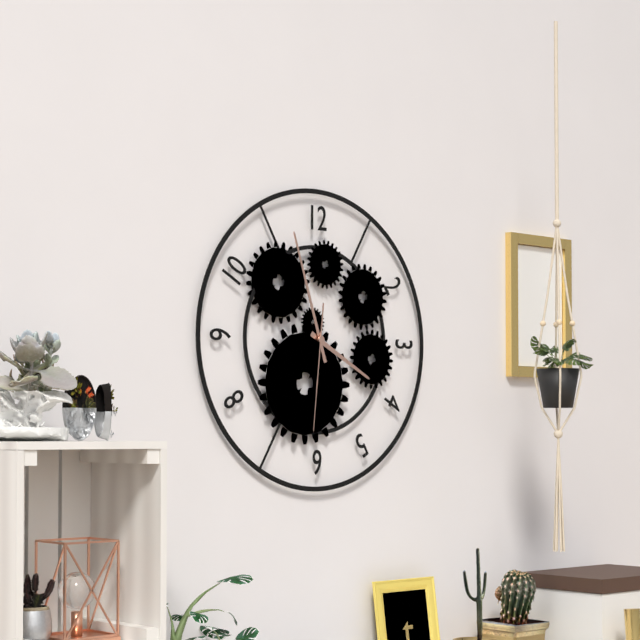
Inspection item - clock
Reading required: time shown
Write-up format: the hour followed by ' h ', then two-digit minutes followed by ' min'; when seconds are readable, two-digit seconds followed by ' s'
3 h 57 min 31 s
